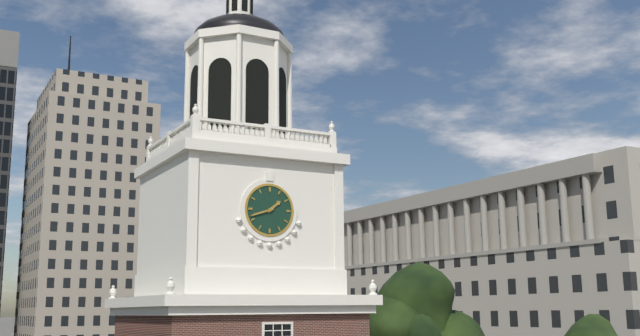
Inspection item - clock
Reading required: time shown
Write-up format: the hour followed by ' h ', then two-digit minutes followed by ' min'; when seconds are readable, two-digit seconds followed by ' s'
1 h 42 min
